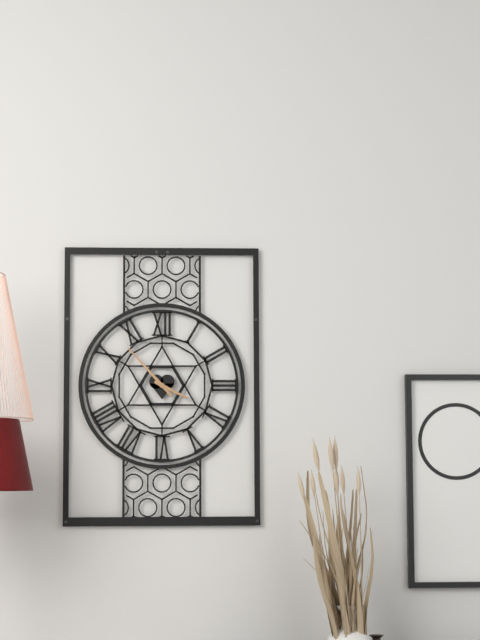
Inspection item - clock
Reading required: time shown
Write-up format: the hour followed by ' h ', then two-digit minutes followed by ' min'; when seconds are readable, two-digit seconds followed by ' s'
3 h 53 min
